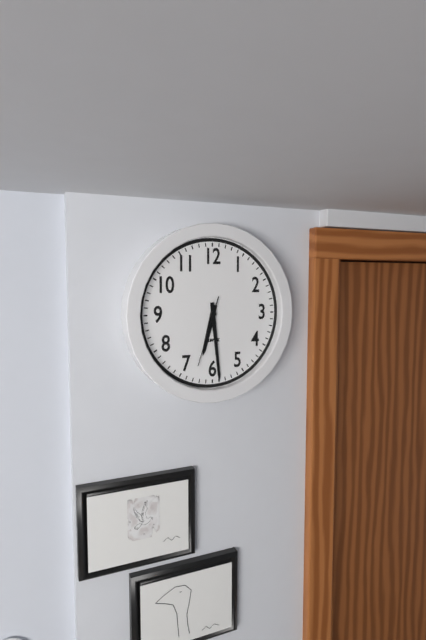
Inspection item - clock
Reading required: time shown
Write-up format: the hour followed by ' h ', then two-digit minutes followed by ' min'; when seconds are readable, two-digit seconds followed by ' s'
6 h 29 min 33 s
